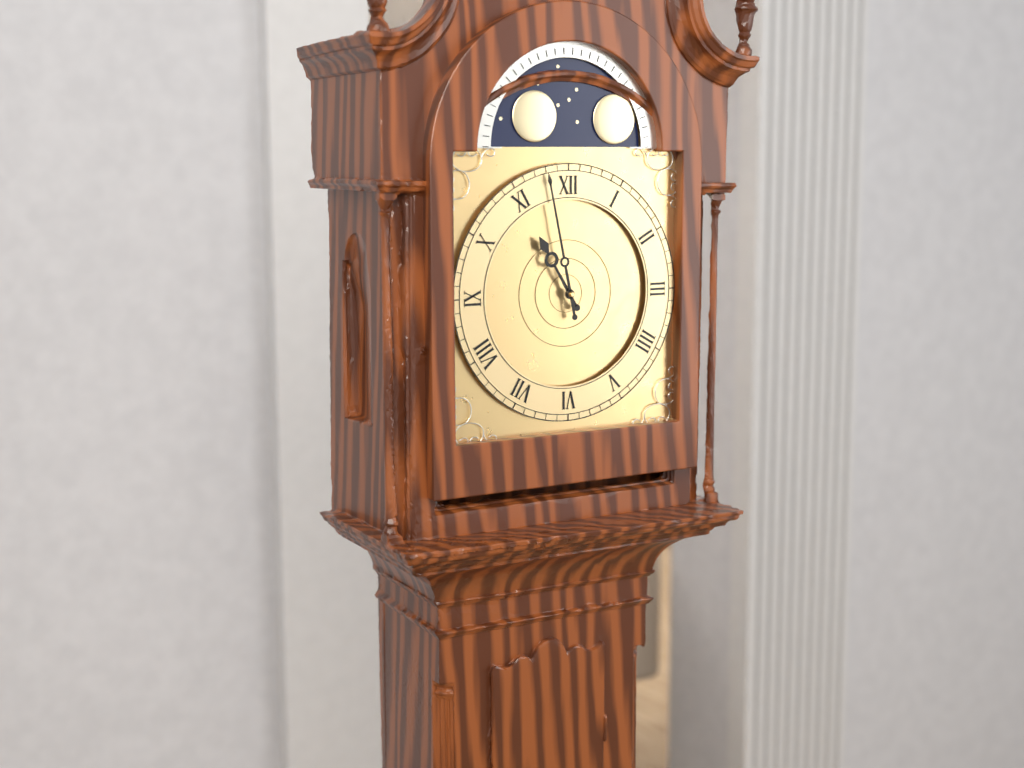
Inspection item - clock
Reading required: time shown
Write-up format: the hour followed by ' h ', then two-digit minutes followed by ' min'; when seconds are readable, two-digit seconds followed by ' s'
10 h 58 min
